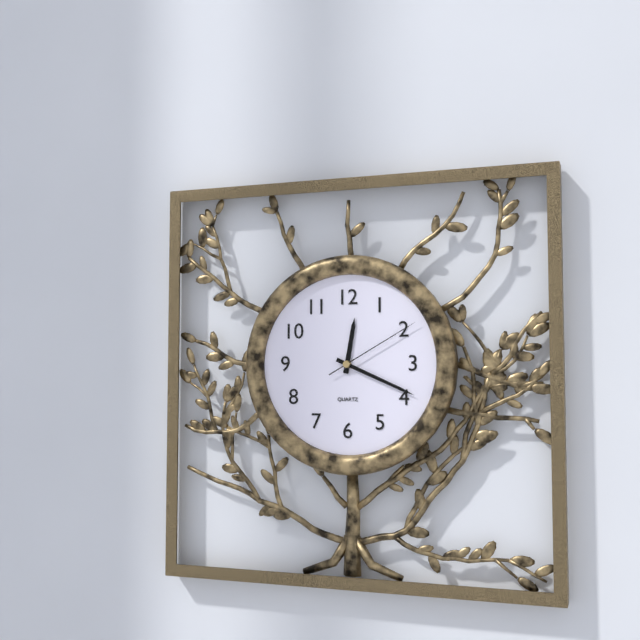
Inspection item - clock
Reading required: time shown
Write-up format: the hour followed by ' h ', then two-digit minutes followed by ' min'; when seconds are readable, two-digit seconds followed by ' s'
12 h 19 min 10 s
